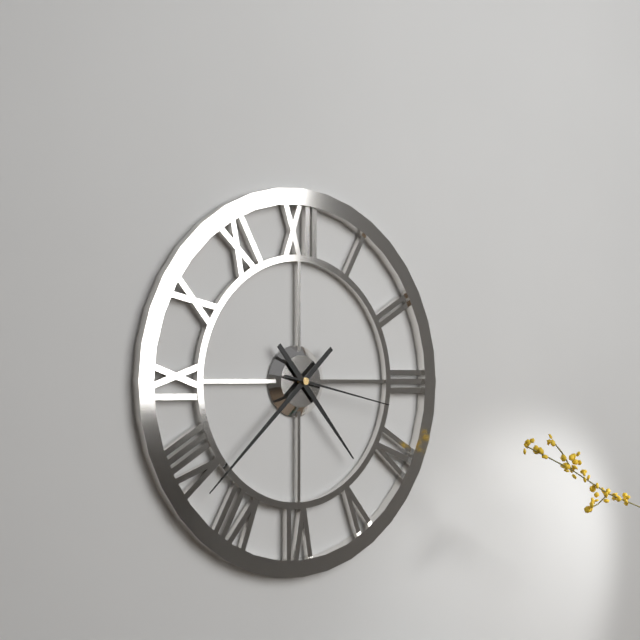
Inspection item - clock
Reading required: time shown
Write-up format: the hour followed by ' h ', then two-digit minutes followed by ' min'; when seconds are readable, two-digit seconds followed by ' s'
4 h 38 min 17 s
